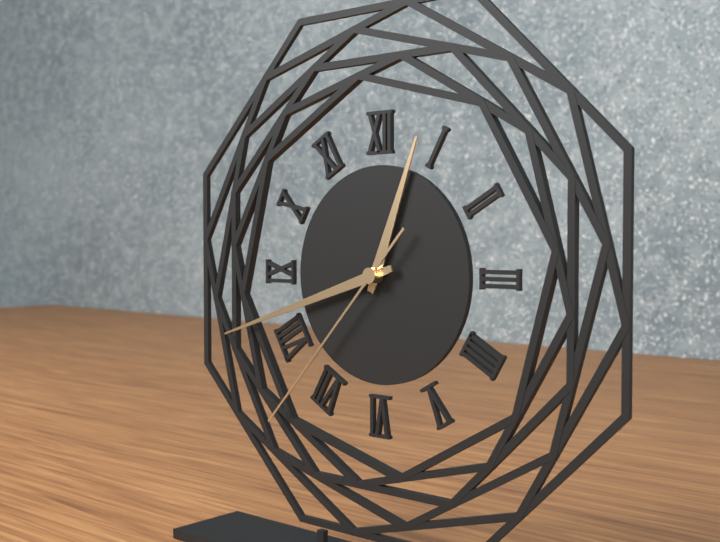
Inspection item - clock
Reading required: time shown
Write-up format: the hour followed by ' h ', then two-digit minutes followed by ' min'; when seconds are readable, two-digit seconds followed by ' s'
12 h 42 min 37 s
